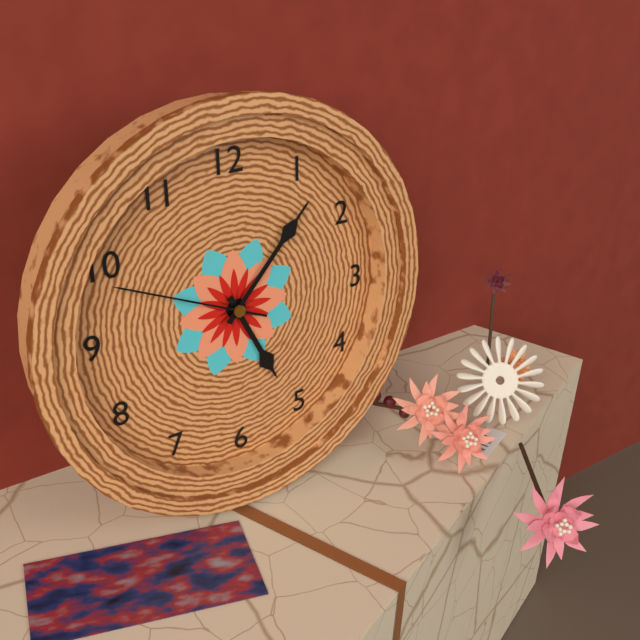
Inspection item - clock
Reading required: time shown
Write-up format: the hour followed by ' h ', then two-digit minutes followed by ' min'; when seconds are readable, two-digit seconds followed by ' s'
5 h 07 min 49 s
